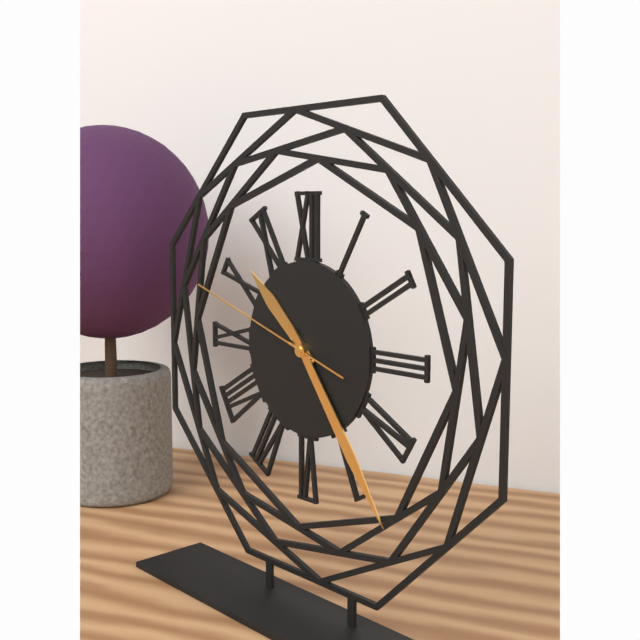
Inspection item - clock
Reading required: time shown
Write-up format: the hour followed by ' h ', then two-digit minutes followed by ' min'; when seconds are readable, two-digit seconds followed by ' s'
10 h 24 min 48 s
